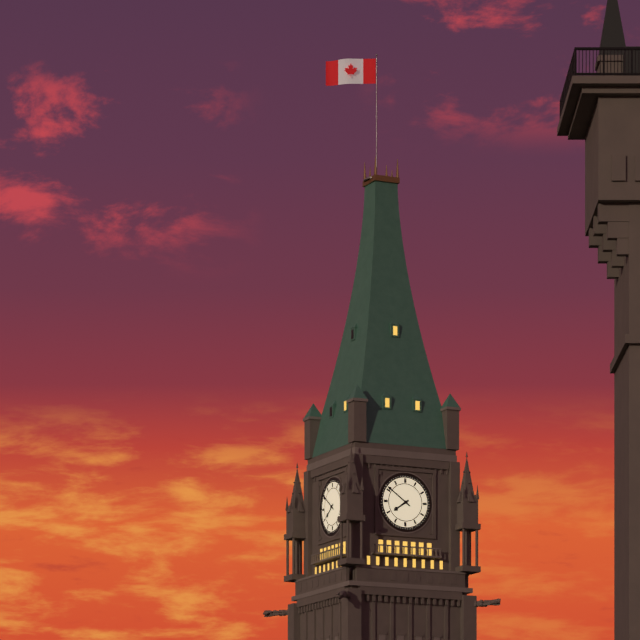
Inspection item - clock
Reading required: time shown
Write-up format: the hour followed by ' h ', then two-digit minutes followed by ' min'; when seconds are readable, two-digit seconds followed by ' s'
7 h 51 min
